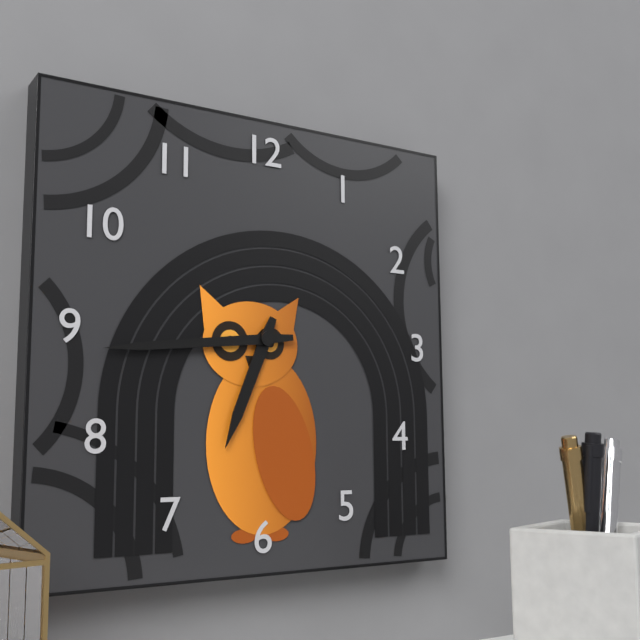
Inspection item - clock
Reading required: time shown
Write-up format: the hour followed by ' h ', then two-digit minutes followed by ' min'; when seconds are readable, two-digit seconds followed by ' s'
6 h 44 min
